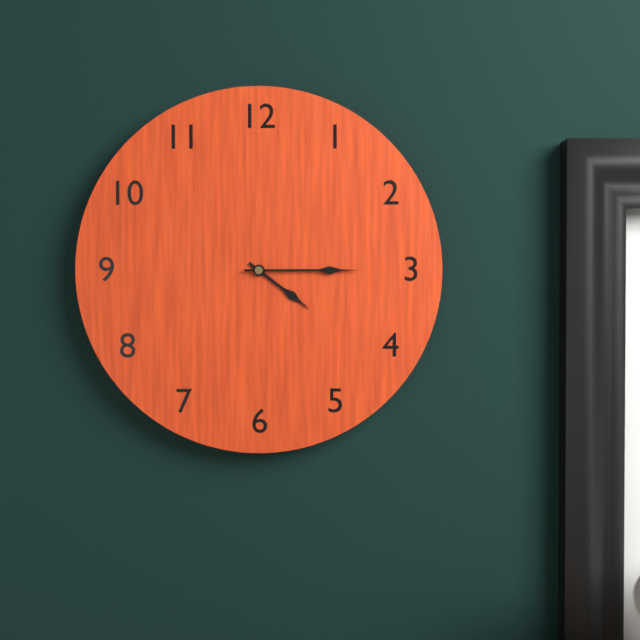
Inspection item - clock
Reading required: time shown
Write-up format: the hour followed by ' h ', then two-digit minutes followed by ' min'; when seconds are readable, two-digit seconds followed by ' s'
4 h 15 min
